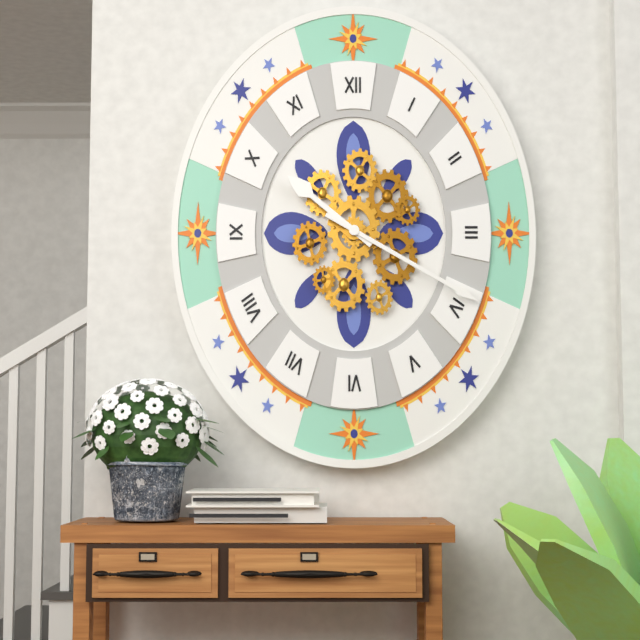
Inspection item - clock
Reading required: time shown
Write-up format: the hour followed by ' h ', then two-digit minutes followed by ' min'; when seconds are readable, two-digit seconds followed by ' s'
10 h 20 min
